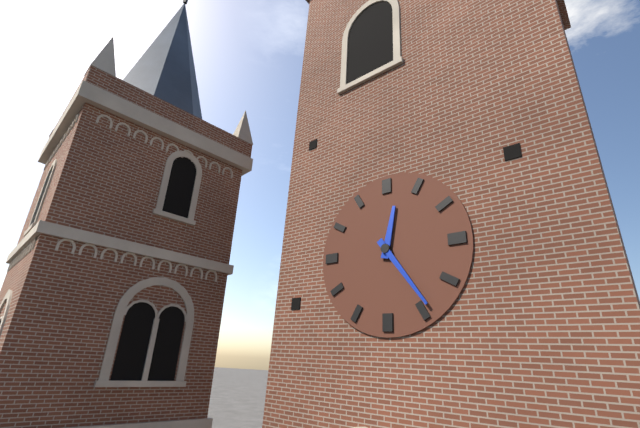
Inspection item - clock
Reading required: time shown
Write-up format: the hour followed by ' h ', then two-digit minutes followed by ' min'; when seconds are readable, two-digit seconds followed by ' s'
12 h 24 min
